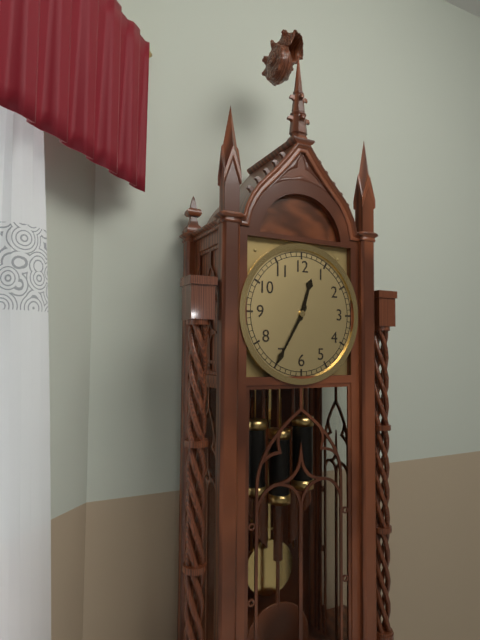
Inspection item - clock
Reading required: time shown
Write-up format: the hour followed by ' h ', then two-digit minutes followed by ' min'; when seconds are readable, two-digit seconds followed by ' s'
12 h 35 min
